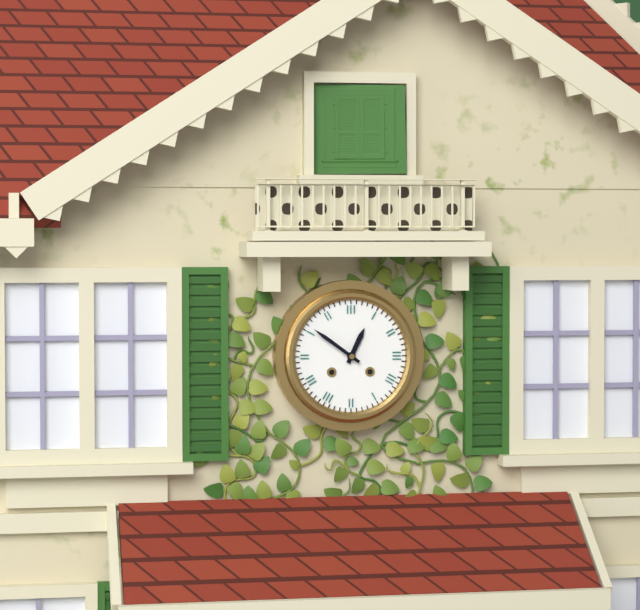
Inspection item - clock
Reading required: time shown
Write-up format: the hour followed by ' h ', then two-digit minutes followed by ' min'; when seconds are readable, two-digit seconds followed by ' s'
12 h 51 min
